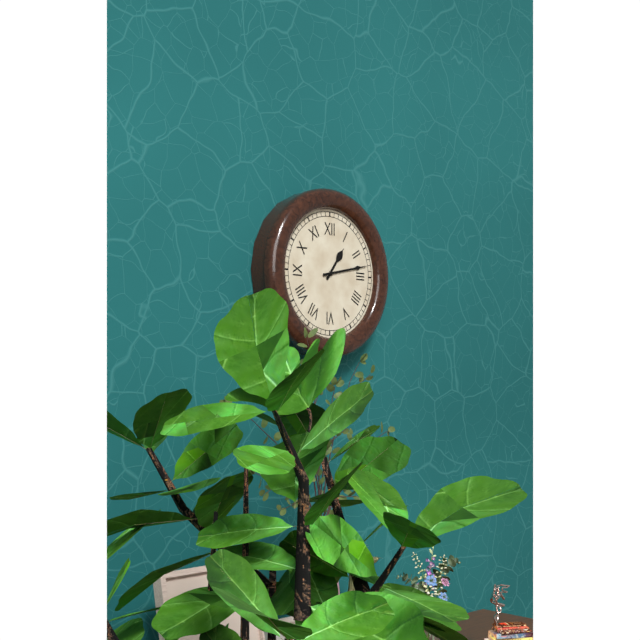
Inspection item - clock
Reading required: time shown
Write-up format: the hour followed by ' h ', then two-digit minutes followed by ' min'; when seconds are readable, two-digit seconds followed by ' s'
1 h 13 min
